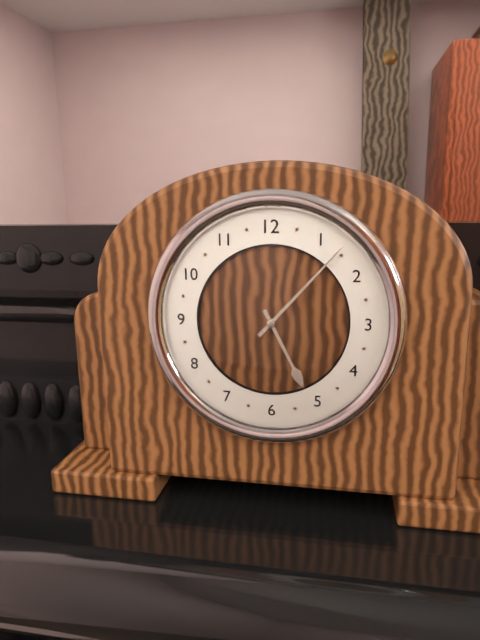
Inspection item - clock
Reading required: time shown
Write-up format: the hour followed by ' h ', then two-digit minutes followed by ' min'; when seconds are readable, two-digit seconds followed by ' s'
5 h 07 min
